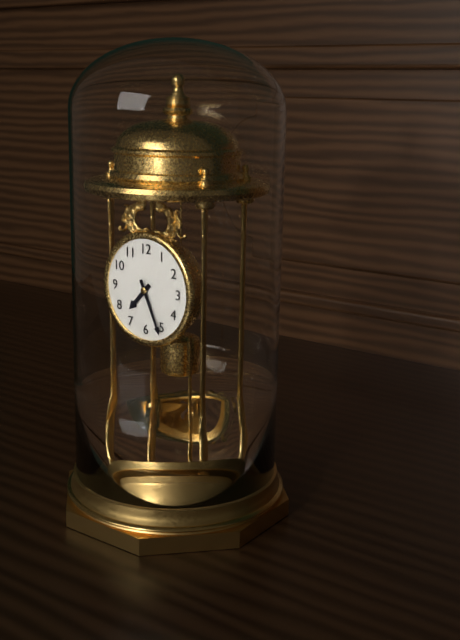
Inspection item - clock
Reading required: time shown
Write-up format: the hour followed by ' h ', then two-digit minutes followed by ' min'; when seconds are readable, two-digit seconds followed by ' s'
7 h 26 min
